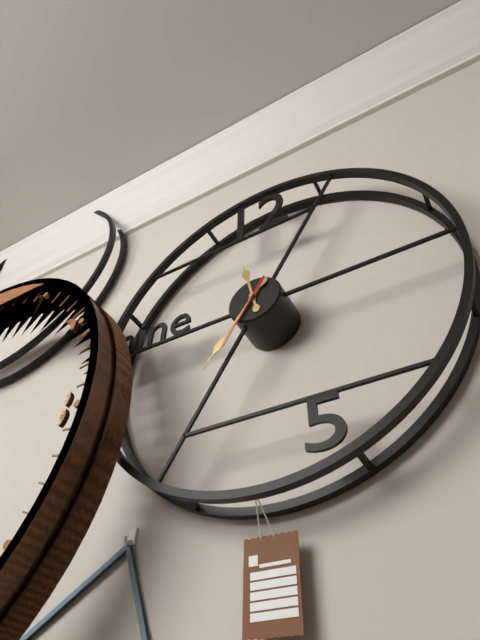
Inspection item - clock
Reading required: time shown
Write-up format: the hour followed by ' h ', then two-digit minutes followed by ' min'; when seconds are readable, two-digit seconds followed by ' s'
11 h 36 min 35 s
